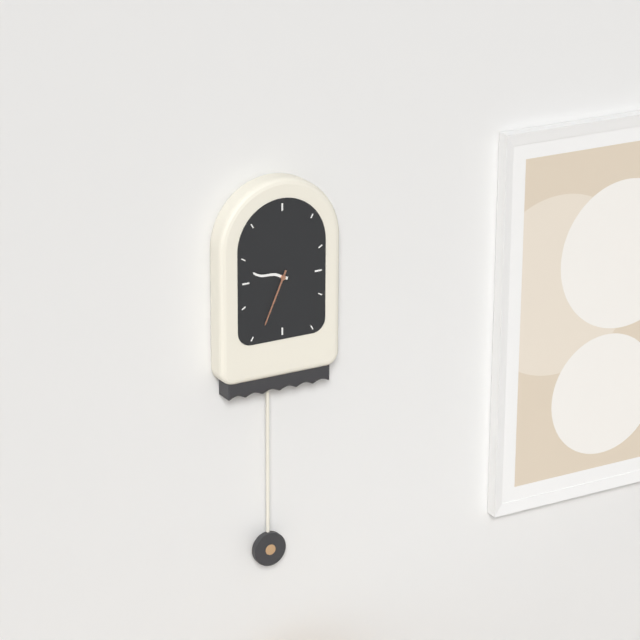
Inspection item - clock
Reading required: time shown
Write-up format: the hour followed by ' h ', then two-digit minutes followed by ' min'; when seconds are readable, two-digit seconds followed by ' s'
9 h 34 min
